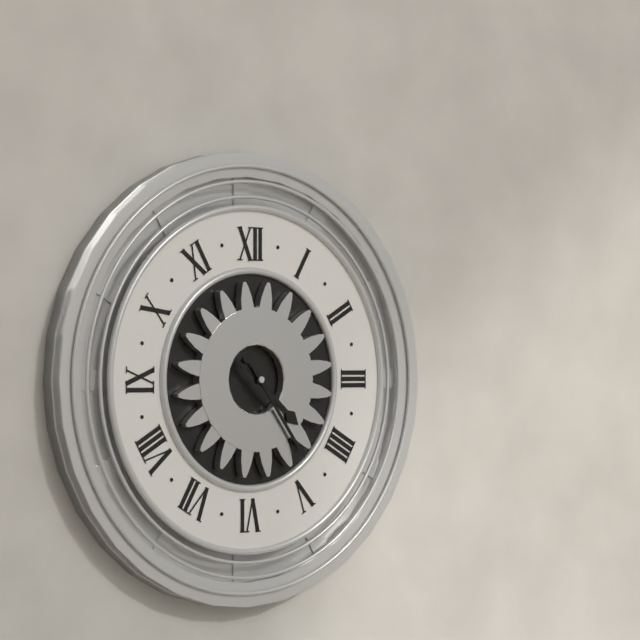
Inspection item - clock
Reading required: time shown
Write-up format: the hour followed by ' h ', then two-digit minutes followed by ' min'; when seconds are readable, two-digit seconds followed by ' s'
4 h 24 min
